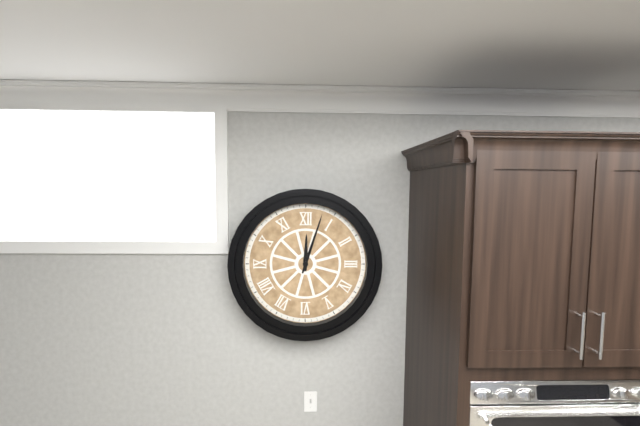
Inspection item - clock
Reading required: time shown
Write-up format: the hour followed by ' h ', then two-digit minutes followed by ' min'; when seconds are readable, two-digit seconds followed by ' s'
12 h 03 min
